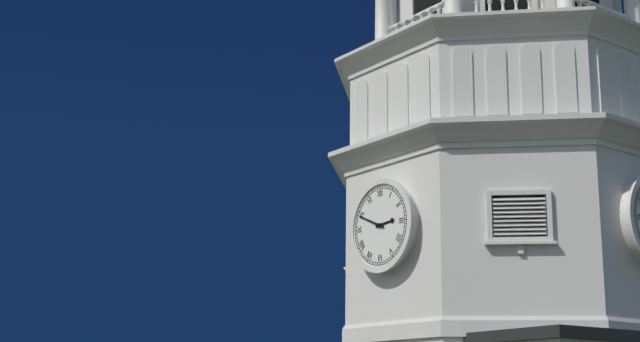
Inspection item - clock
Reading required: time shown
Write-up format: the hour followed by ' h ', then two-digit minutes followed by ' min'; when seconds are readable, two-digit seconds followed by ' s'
2 h 49 min
